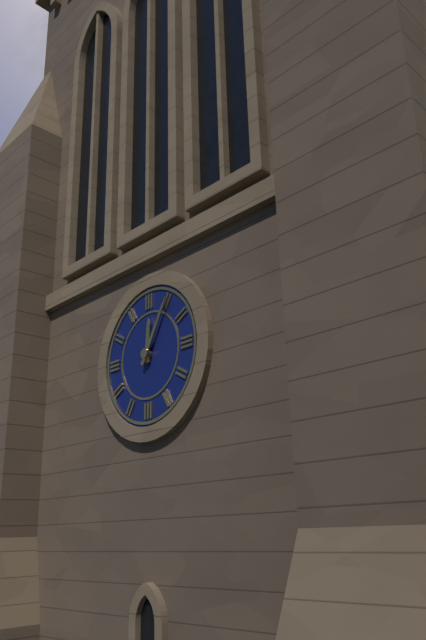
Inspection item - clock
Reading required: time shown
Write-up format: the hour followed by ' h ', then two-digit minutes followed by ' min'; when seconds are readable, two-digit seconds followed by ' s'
12 h 05 min
